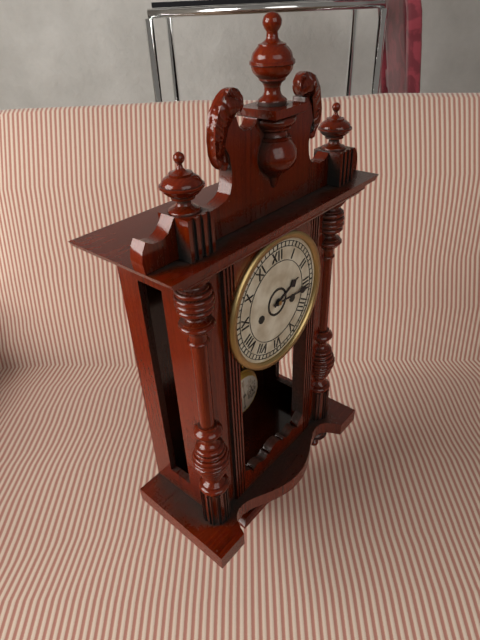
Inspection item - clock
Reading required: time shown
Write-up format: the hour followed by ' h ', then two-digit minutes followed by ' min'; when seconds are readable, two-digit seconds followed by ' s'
2 h 16 min
